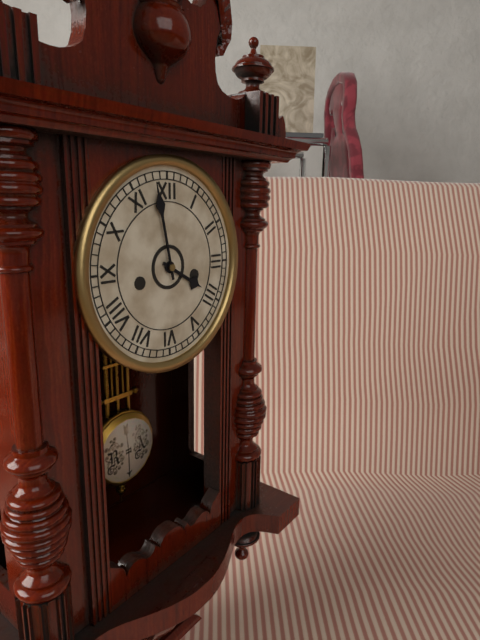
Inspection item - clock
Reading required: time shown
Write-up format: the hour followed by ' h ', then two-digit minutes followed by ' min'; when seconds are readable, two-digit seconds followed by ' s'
3 h 58 min
